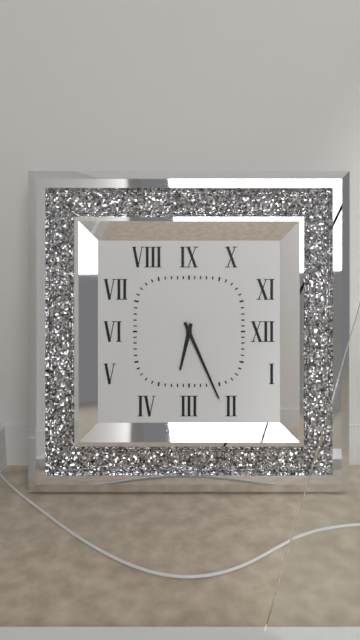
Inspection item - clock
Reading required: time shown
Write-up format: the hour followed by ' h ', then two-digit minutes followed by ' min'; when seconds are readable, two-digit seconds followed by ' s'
6 h 26 min
